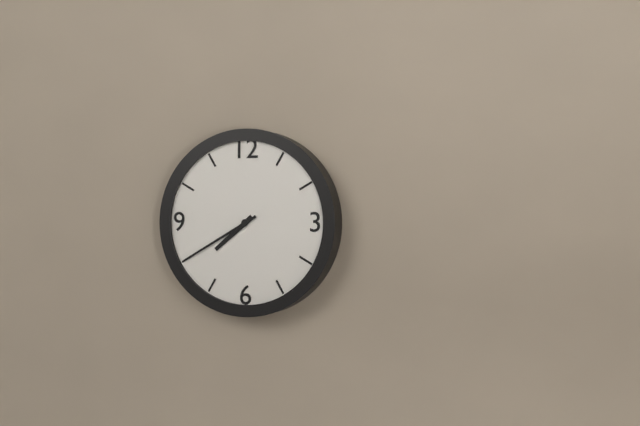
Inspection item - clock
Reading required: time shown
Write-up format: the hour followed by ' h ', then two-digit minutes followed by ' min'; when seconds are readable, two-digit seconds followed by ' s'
7 h 40 min
